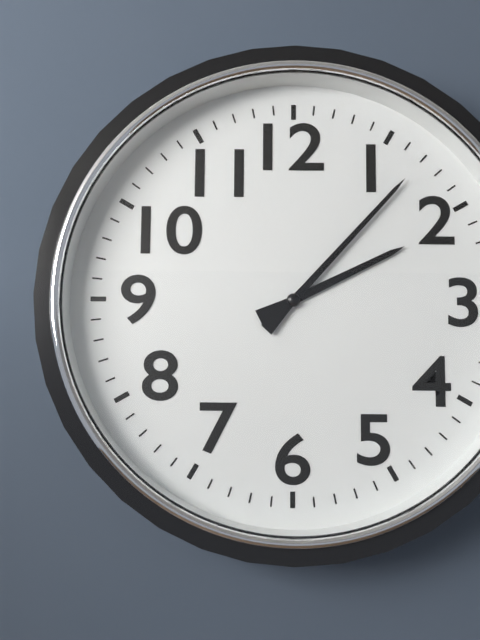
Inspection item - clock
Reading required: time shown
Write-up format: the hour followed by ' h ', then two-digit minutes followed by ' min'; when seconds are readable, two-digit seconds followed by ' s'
2 h 07 min
